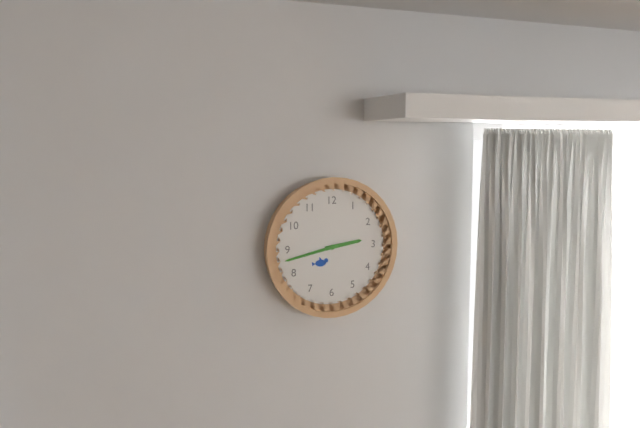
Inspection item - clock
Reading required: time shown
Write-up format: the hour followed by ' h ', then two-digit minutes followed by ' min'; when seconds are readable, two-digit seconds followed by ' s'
2 h 43 min
